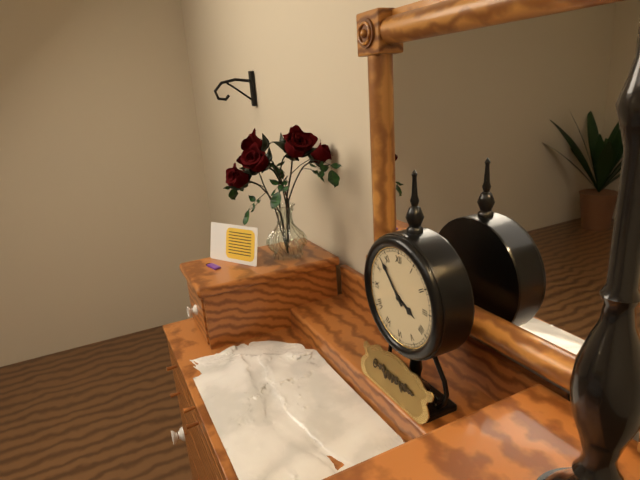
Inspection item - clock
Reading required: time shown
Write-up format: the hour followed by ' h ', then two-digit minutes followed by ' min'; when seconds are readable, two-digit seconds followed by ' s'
3 h 53 min
